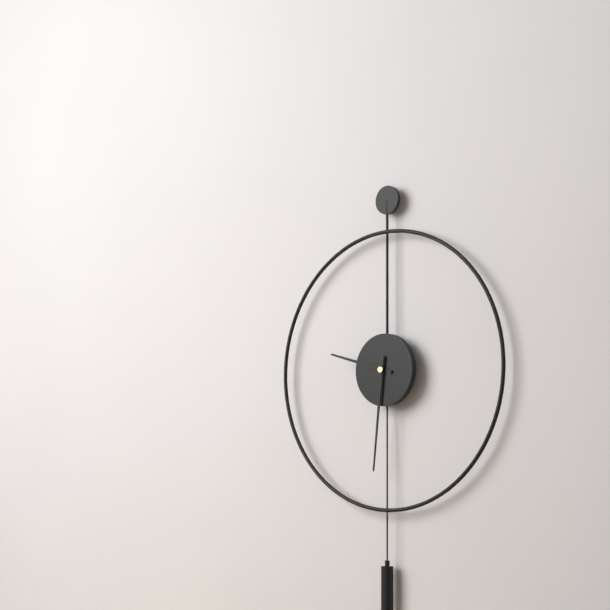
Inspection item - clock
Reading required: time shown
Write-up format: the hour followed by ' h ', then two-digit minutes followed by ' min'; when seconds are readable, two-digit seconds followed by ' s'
9 h 31 min
